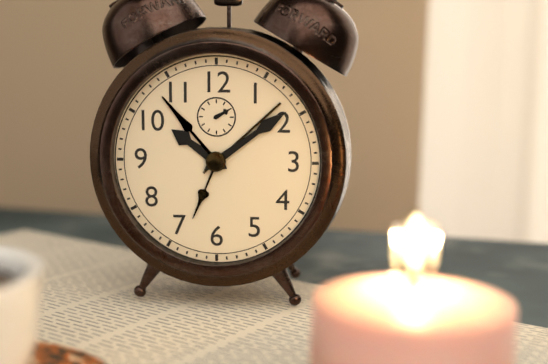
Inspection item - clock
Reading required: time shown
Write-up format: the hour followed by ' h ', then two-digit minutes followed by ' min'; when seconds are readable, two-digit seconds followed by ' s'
10 h 09 min
